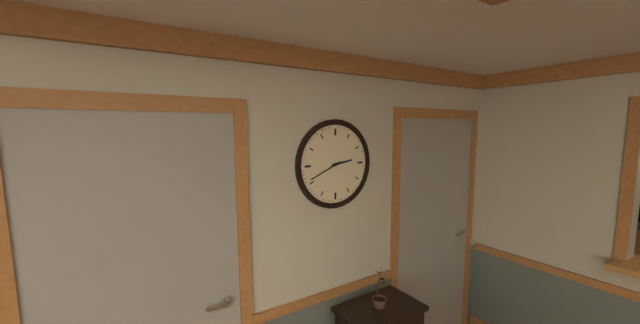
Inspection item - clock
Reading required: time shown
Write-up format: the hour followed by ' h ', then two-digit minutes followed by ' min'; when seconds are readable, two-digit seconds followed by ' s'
2 h 41 min
